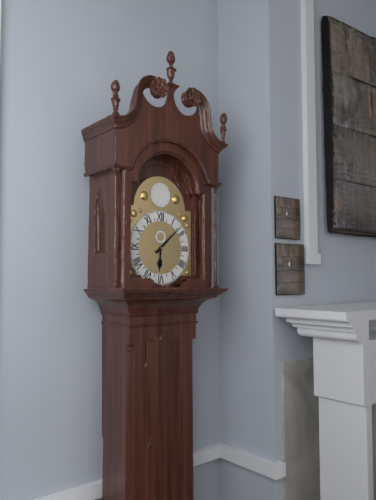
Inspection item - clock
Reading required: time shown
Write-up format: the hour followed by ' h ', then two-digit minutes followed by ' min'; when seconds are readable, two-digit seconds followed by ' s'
6 h 08 min
